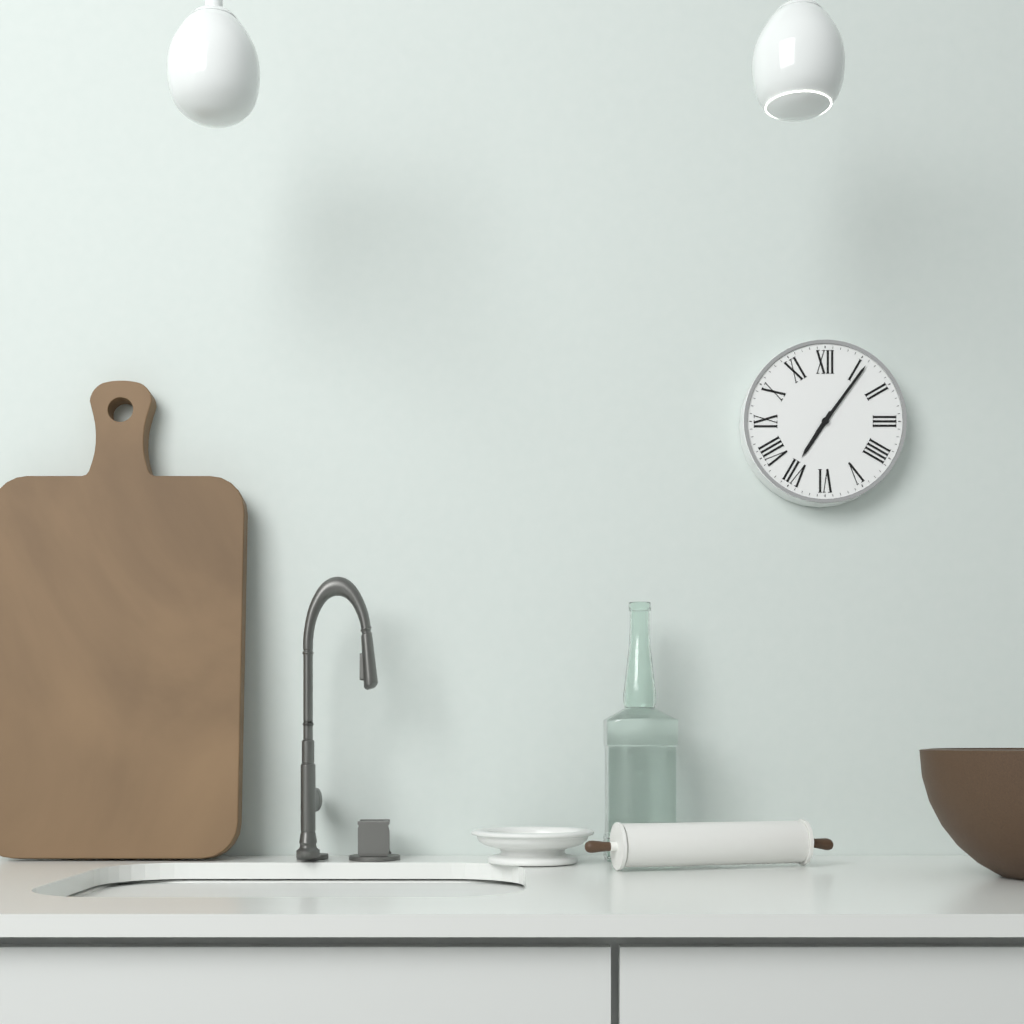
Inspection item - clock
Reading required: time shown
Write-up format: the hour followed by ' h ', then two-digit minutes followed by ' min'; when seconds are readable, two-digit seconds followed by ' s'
7 h 06 min
